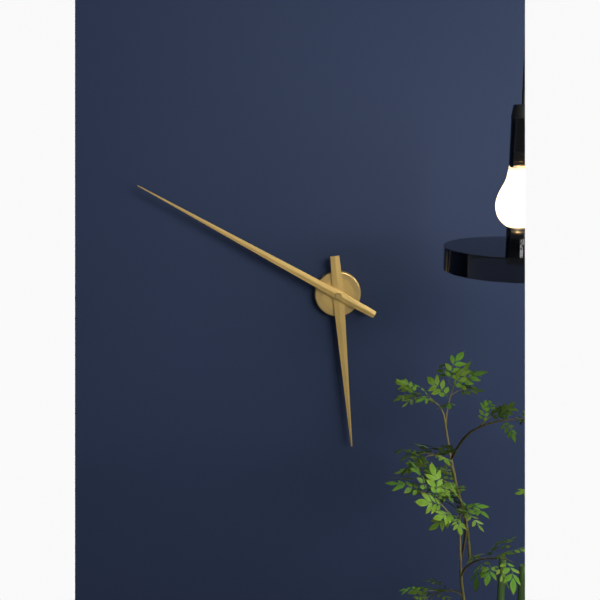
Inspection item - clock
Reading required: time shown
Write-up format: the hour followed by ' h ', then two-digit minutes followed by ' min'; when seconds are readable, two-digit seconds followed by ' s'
5 h 50 min
